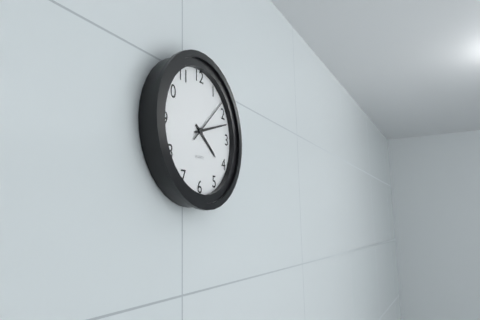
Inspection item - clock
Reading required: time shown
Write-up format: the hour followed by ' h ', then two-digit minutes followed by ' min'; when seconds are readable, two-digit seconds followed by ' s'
4 h 12 min
